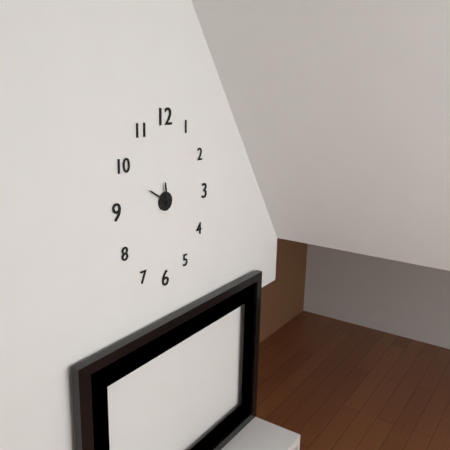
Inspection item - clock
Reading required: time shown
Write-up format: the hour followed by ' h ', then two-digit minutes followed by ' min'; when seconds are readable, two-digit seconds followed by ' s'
11 h 50 min
